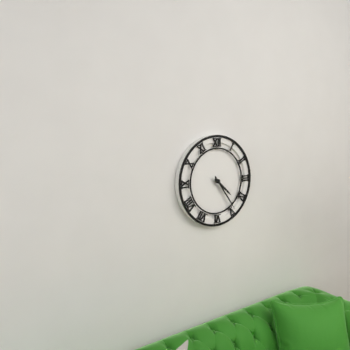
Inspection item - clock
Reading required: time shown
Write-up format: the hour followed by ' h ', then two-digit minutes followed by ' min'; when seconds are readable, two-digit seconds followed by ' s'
4 h 24 min
